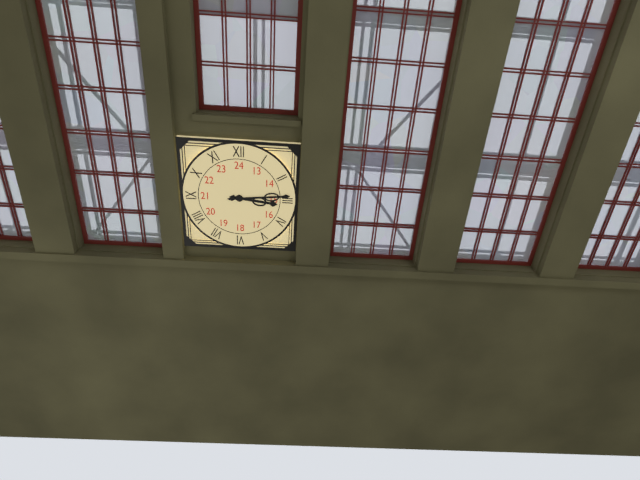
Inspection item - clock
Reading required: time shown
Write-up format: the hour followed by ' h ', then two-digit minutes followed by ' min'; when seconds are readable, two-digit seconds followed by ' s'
3 h 14 min
